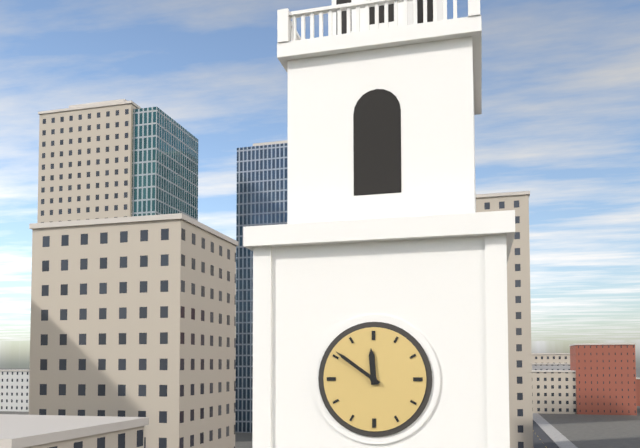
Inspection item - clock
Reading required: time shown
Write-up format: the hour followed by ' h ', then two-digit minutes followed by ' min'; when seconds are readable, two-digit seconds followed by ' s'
11 h 51 min
